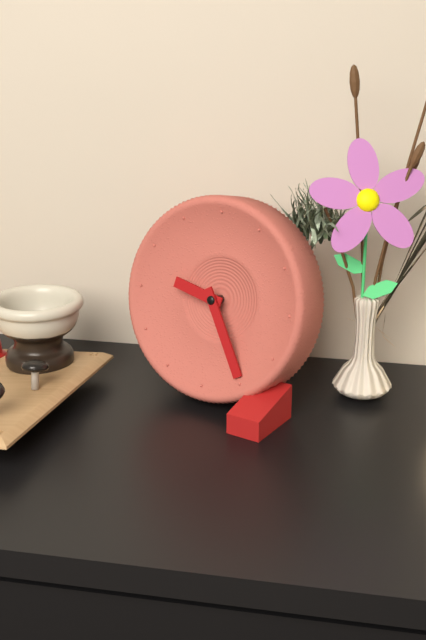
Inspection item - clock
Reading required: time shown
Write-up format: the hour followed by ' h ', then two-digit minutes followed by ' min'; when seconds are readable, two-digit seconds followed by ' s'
9 h 25 min
